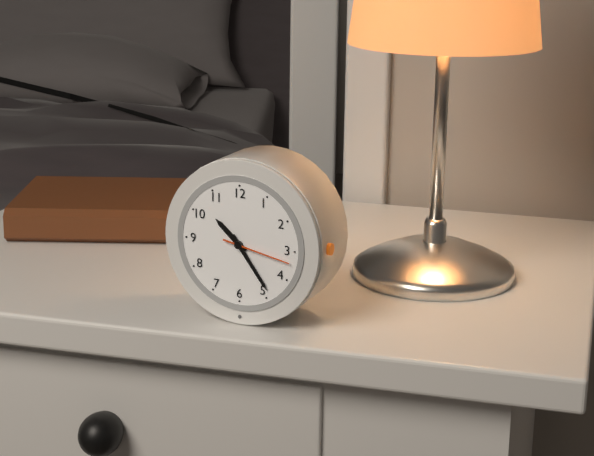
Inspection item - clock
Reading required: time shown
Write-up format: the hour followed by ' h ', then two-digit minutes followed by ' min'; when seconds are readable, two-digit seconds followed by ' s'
10 h 24 min 17 s
